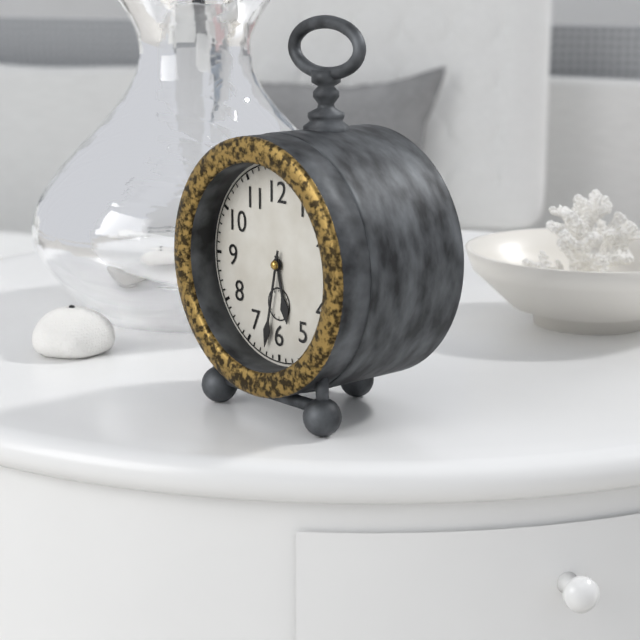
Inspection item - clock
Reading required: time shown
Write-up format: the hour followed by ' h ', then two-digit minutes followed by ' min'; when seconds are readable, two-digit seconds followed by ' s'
5 h 32 min
